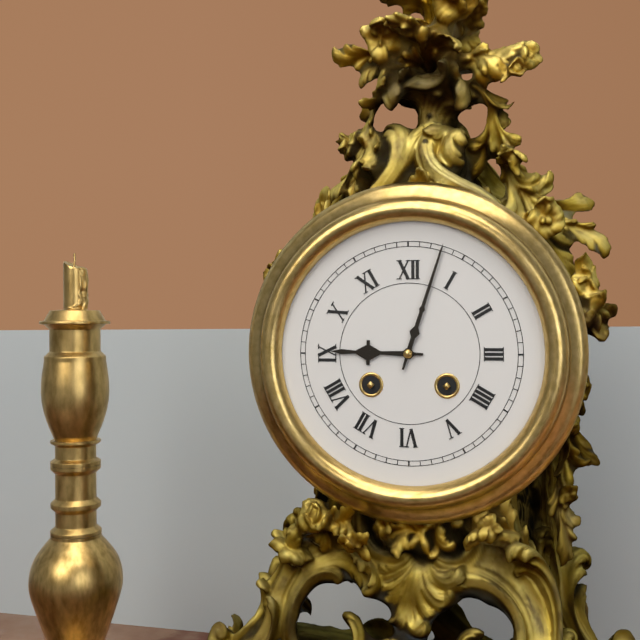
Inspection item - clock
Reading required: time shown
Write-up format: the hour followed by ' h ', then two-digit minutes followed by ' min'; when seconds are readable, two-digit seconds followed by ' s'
9 h 03 min
